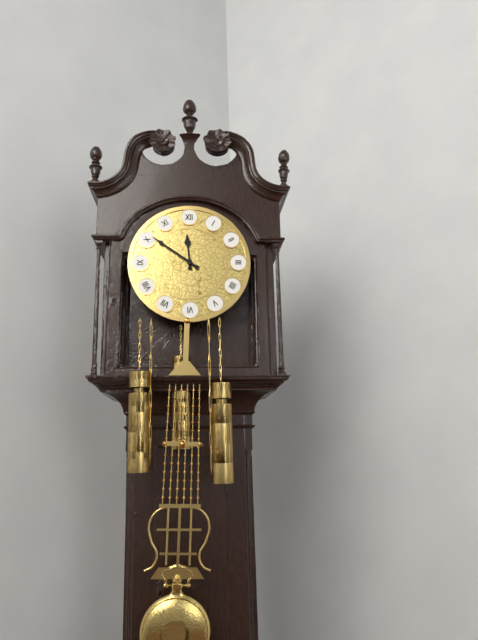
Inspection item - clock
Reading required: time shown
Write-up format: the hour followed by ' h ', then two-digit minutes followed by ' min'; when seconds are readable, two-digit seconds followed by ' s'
11 h 51 min
